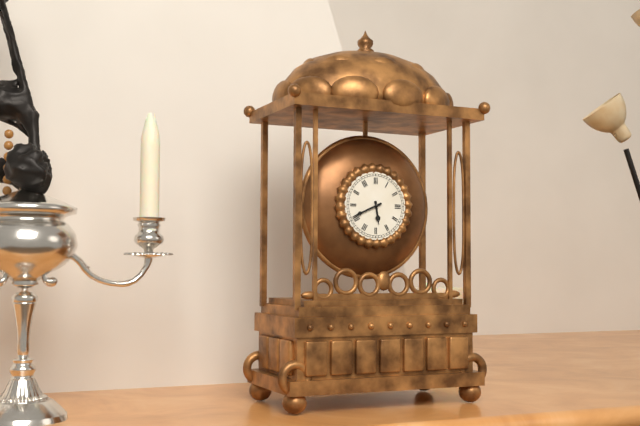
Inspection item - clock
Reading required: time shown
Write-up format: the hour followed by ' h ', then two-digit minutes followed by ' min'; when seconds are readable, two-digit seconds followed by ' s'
5 h 41 min
